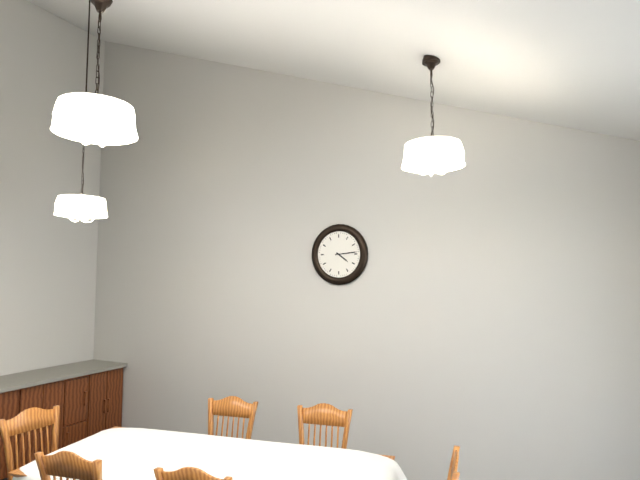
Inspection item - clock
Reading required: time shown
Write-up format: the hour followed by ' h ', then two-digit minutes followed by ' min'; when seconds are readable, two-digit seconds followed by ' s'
4 h 14 min
